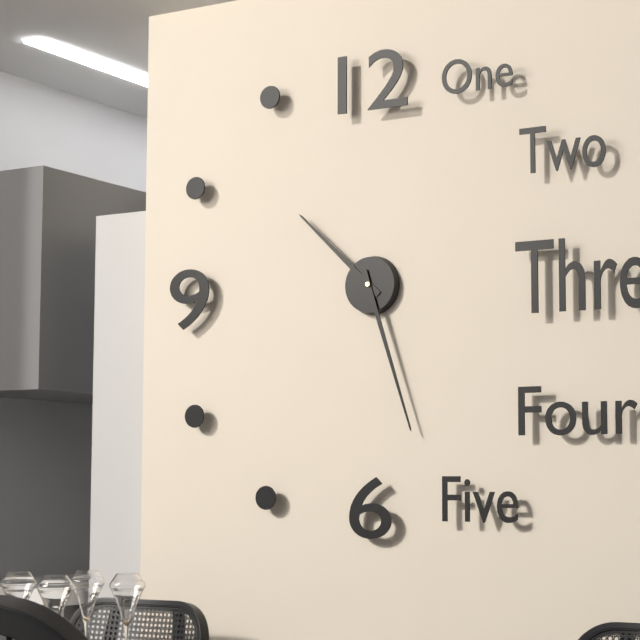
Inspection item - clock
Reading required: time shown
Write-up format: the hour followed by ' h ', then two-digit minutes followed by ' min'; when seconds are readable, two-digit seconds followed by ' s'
10 h 27 min
